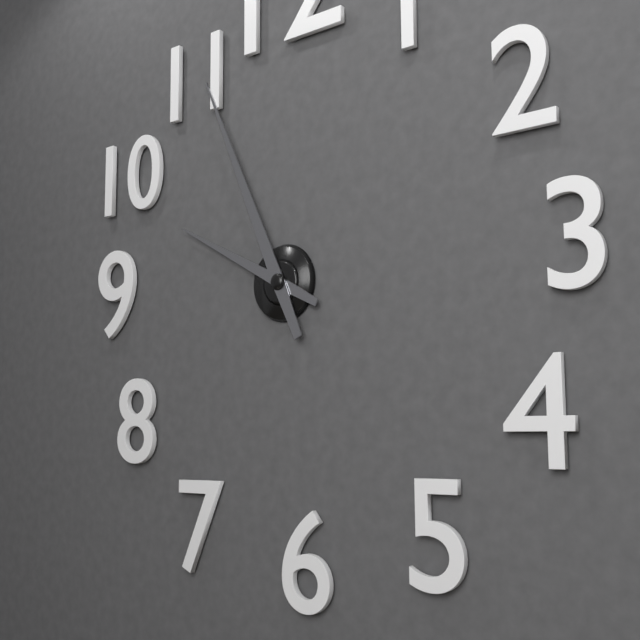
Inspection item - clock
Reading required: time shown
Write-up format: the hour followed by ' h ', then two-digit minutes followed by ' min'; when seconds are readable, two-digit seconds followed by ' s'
9 h 56 min
